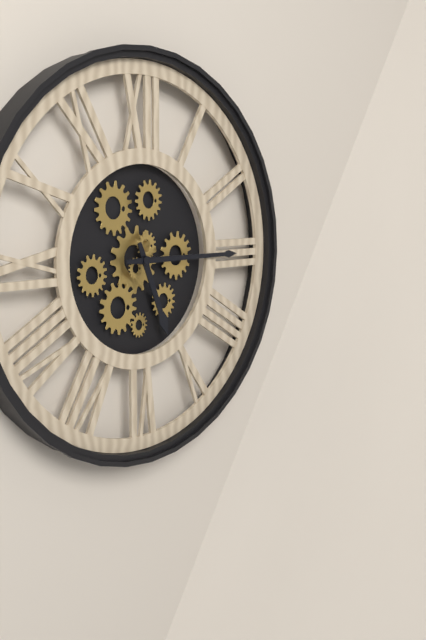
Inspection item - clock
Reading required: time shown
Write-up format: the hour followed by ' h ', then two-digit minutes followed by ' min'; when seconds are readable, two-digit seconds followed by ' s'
5 h 15 min
